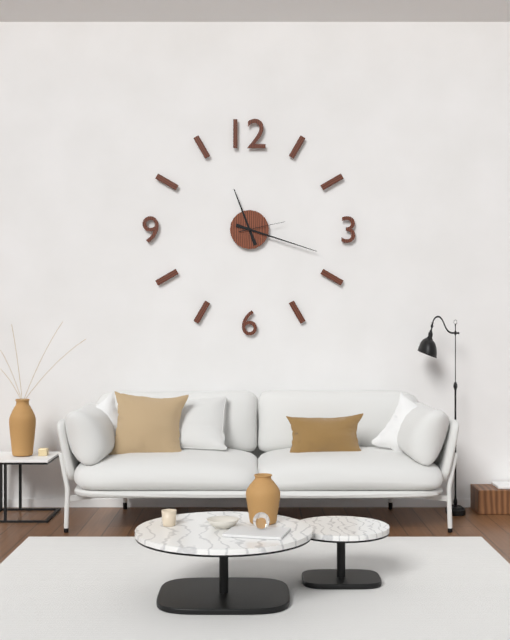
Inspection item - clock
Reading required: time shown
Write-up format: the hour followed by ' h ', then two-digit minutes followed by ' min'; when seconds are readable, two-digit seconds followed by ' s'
11 h 18 min
